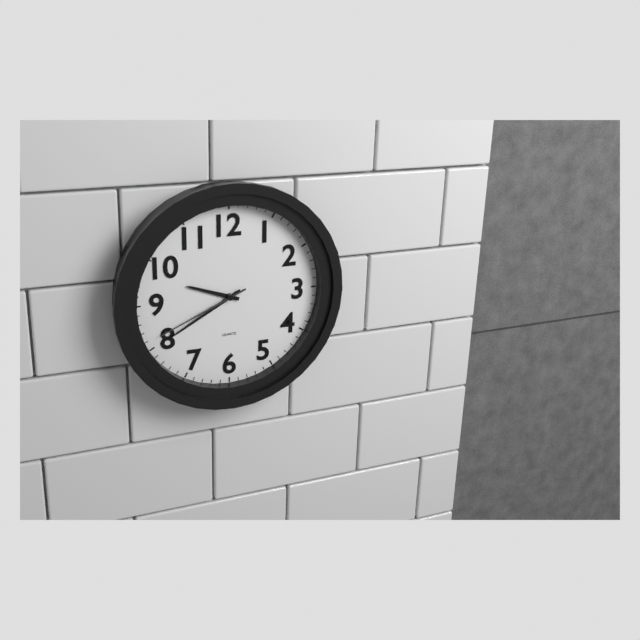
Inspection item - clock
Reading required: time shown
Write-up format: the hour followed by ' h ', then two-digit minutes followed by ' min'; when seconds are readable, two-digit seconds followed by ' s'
9 h 40 min 41 s
